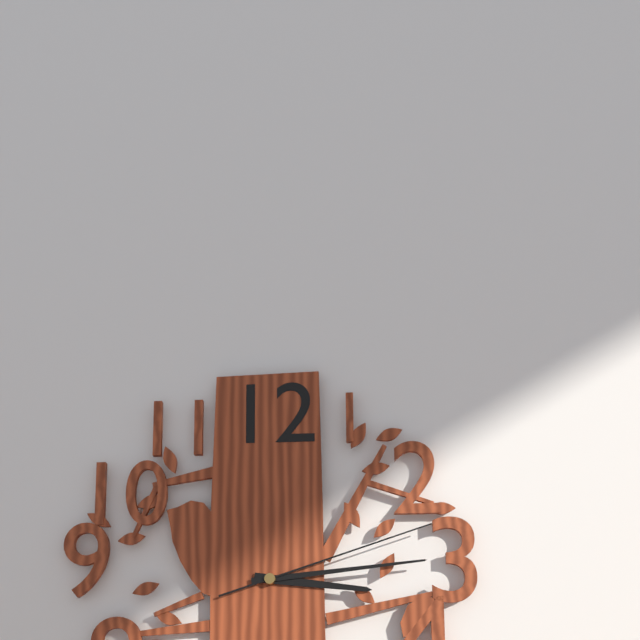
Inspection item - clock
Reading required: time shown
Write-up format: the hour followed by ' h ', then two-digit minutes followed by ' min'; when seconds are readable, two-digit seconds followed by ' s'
3 h 14 min 12 s
